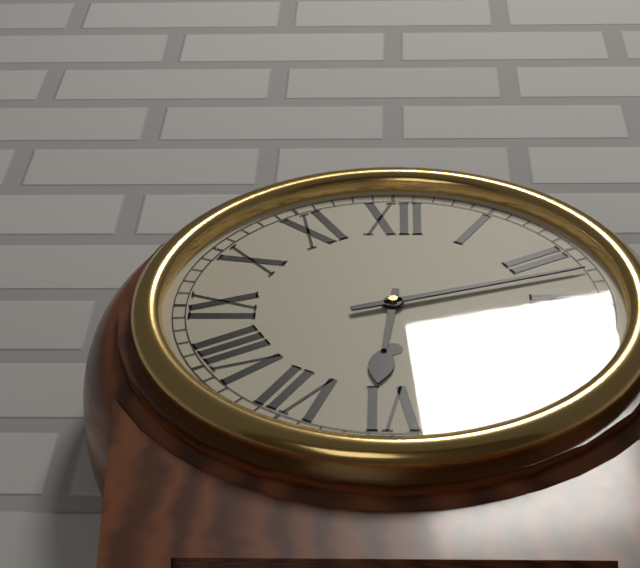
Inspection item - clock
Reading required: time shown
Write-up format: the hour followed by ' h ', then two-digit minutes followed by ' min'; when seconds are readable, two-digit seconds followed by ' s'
6 h 12 min
